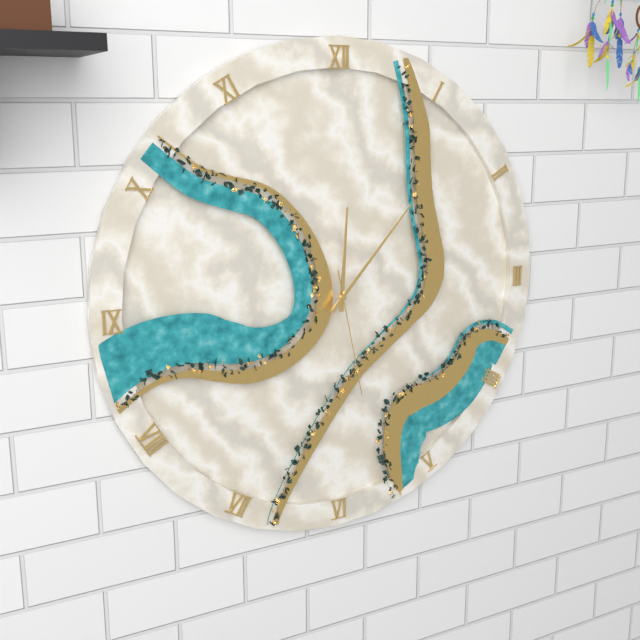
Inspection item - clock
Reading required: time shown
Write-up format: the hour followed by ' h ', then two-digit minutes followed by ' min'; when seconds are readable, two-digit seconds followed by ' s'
12 h 07 min 28 s
